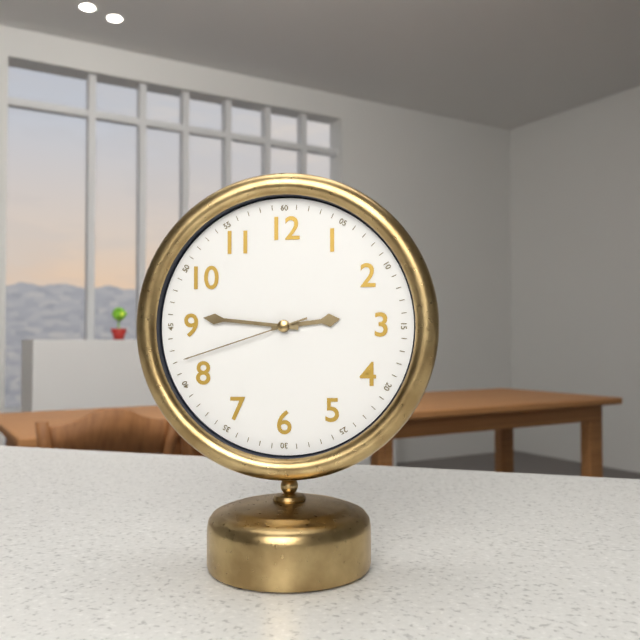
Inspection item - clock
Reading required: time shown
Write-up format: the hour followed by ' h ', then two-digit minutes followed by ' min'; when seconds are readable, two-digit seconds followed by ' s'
2 h 46 min 42 s
